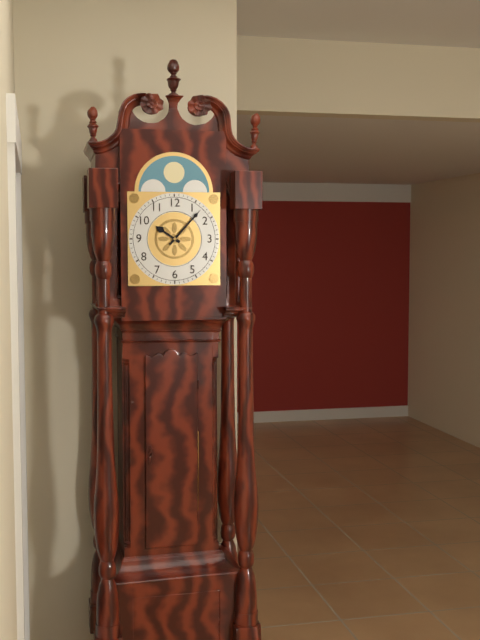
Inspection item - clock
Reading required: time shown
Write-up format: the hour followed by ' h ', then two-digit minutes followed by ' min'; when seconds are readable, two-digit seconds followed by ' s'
10 h 07 min
